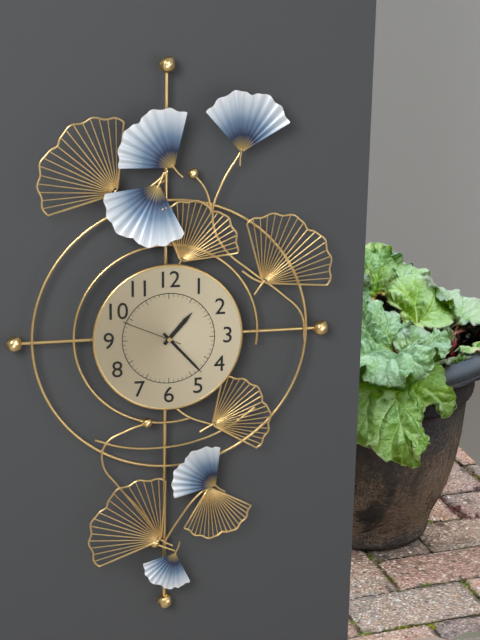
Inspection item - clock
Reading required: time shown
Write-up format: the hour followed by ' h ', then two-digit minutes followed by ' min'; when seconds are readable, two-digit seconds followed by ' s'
1 h 23 min 49 s
